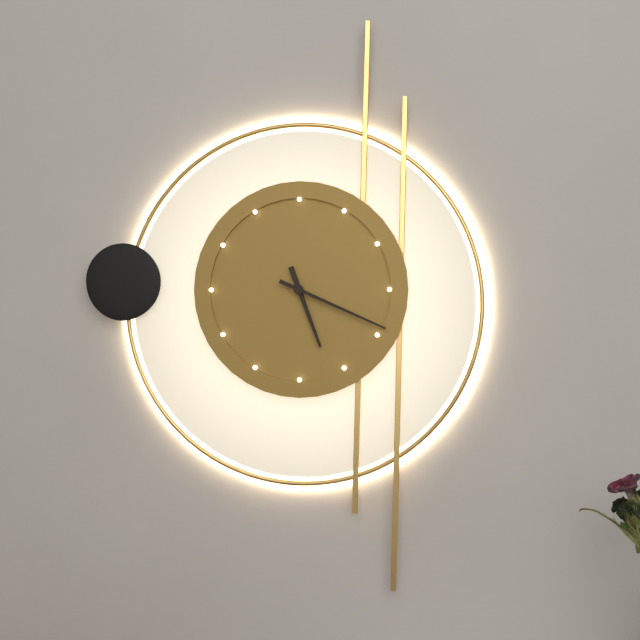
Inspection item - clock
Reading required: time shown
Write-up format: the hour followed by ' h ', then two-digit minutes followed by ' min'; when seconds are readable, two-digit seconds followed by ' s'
5 h 19 min
